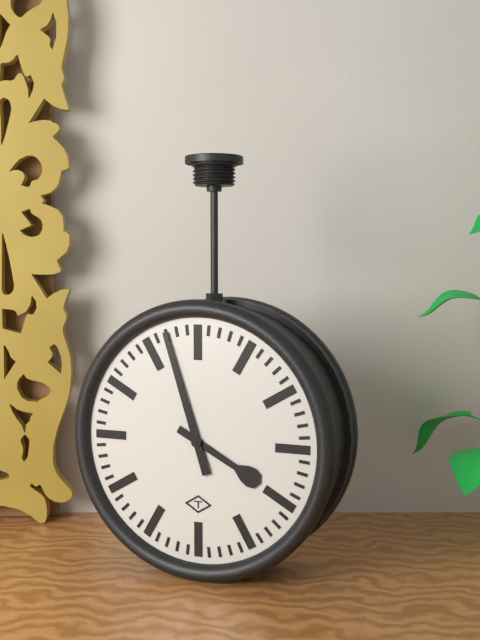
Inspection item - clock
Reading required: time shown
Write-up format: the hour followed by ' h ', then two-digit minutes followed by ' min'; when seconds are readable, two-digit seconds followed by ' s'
3 h 57 min
